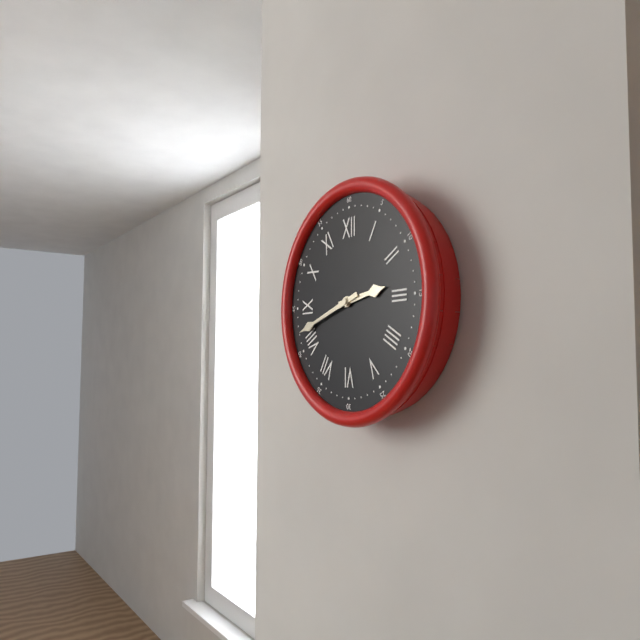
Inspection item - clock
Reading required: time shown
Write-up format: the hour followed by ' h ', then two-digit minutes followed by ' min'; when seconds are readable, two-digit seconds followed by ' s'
2 h 42 min
